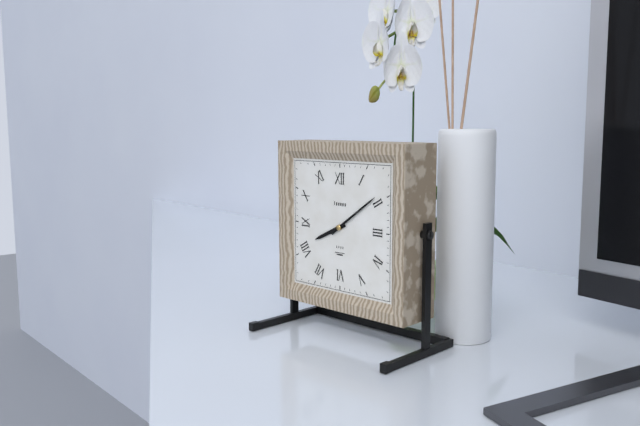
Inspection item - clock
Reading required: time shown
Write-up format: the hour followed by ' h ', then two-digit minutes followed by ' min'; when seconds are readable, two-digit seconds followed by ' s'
8 h 09 min
